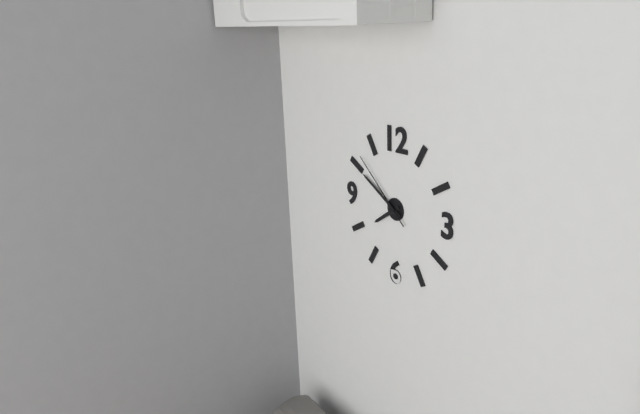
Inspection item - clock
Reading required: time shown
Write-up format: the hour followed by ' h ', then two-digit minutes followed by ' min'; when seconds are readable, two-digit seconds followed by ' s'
7 h 50 min 52 s
